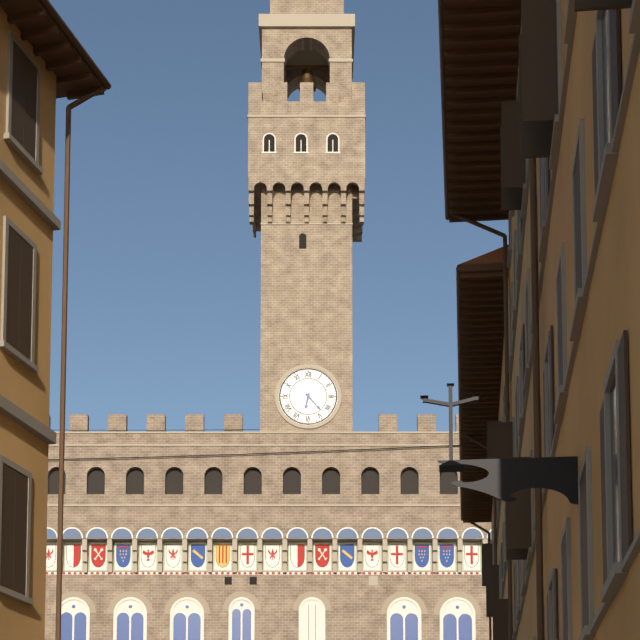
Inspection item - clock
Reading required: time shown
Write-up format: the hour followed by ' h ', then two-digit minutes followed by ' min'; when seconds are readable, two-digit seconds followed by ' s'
6 h 23 min
